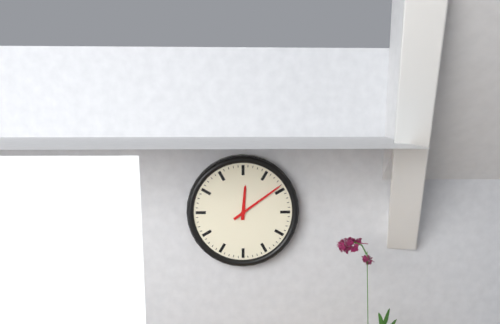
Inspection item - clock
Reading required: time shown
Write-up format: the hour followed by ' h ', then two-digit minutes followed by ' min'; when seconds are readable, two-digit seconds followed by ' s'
12 h 09 min
